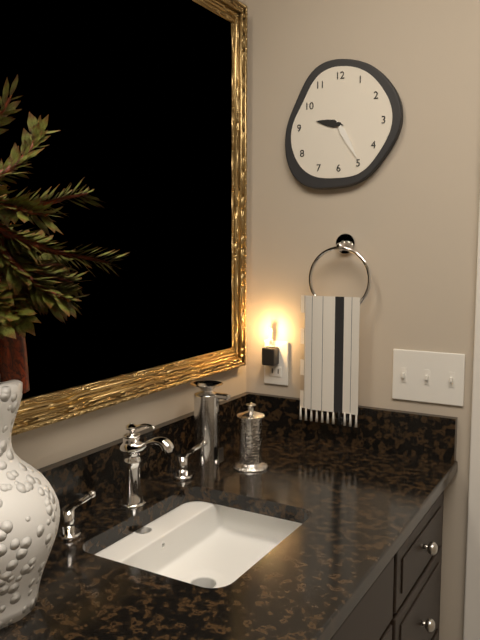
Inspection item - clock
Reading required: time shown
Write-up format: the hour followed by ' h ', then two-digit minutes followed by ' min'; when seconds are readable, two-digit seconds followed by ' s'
9 h 25 min
